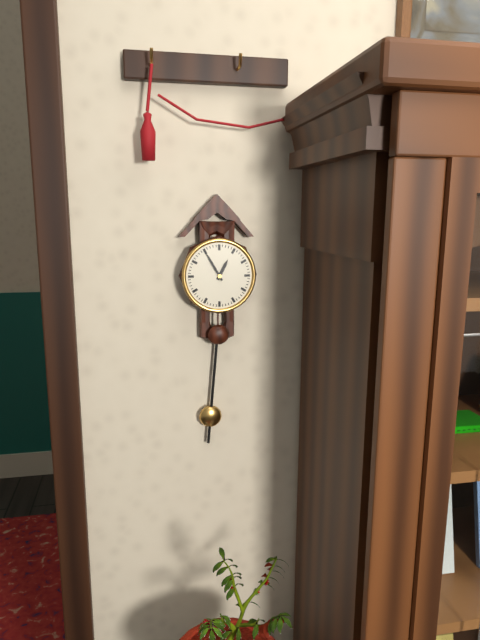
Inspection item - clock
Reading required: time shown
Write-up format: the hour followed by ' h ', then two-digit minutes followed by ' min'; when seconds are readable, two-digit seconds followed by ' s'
12 h 55 min
